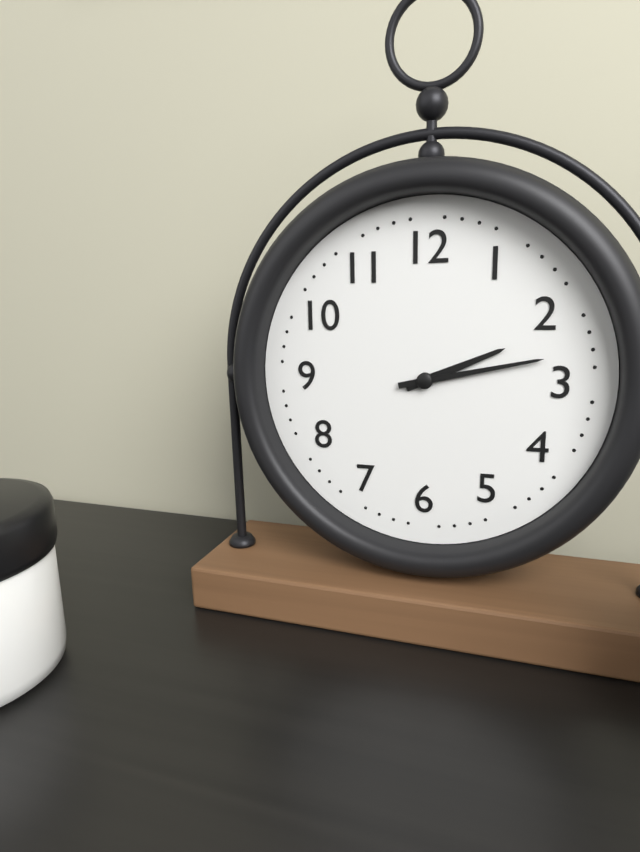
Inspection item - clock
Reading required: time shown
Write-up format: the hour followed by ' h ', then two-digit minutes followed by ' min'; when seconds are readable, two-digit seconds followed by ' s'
2 h 13 min
